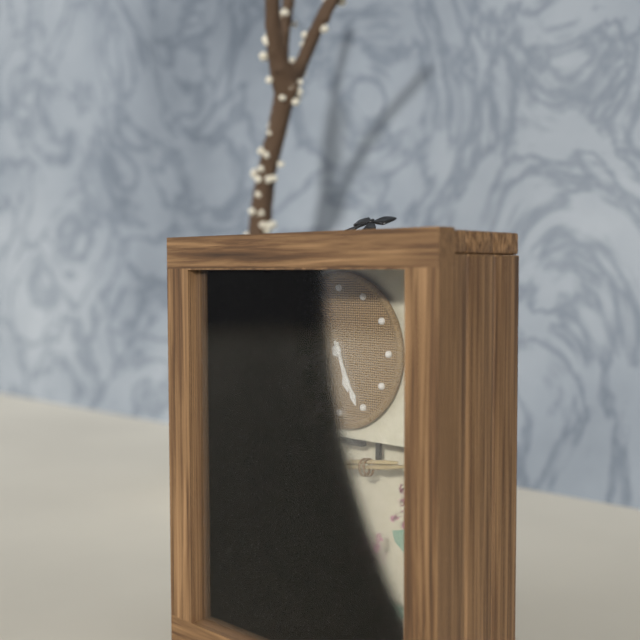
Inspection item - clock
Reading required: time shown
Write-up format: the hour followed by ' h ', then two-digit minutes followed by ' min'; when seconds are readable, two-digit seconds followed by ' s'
5 h 26 min
